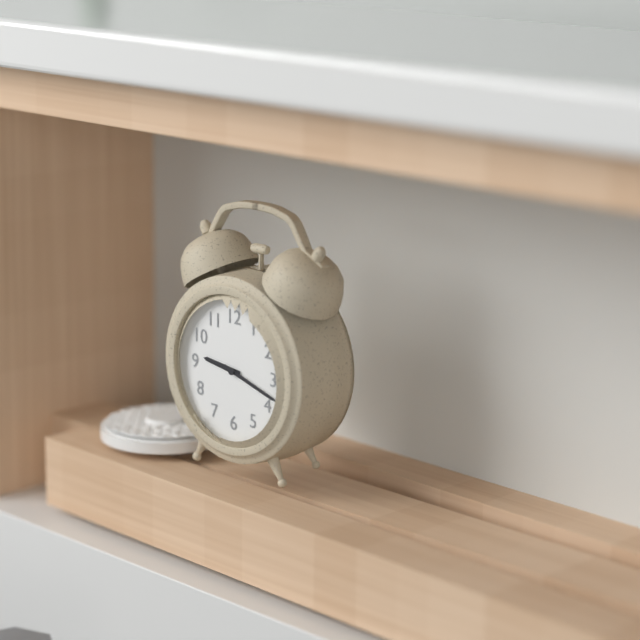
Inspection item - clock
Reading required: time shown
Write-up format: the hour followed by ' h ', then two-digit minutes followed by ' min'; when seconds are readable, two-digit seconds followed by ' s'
9 h 18 min
